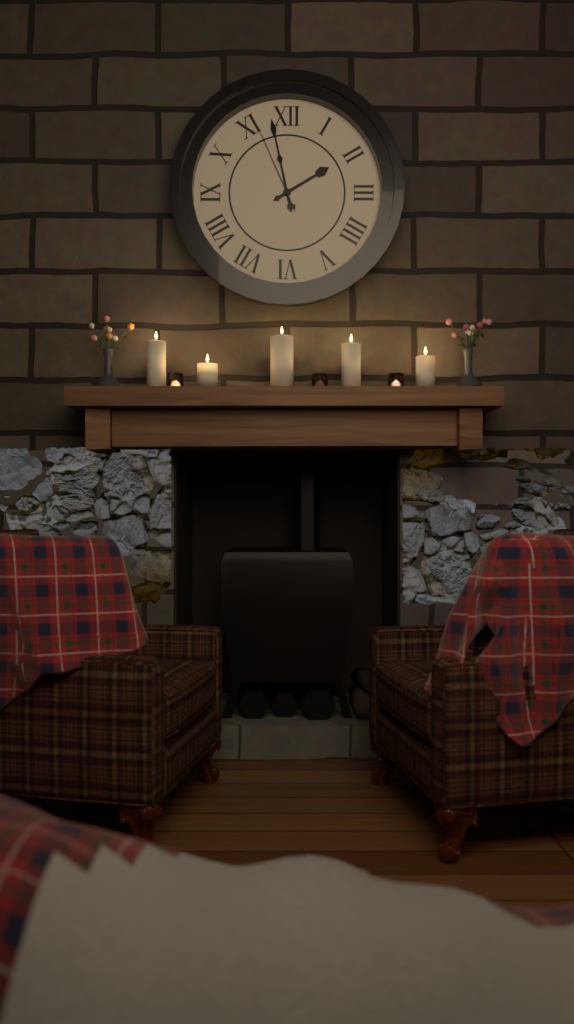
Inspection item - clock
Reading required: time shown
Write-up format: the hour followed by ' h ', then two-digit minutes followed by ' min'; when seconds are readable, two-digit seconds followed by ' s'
1 h 58 min 56 s
